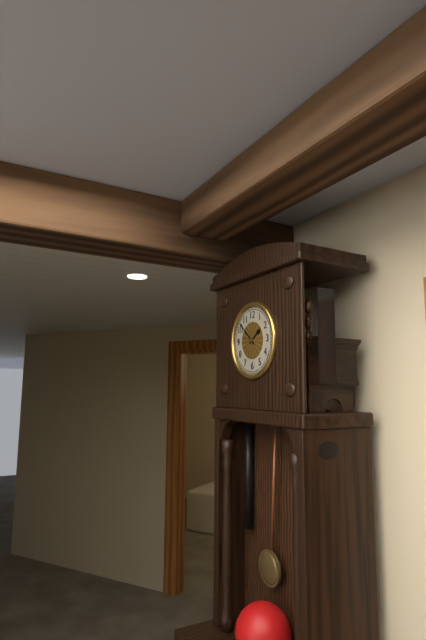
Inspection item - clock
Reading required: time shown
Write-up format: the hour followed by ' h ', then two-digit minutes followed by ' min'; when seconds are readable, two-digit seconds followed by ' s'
1 h 52 min
